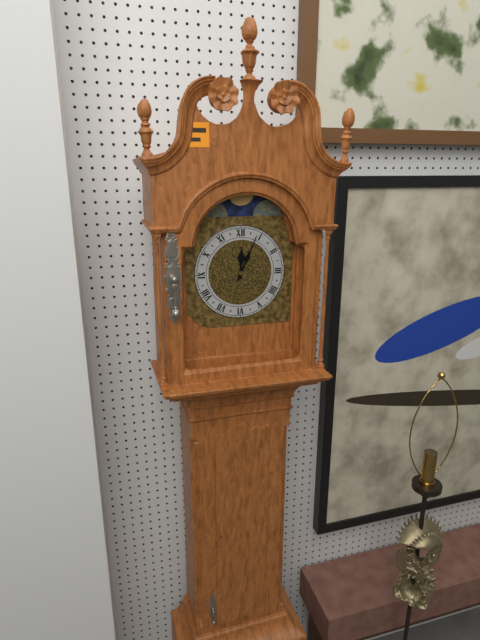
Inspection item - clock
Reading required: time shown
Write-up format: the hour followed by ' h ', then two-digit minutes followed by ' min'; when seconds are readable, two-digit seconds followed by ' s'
12 h 04 min
